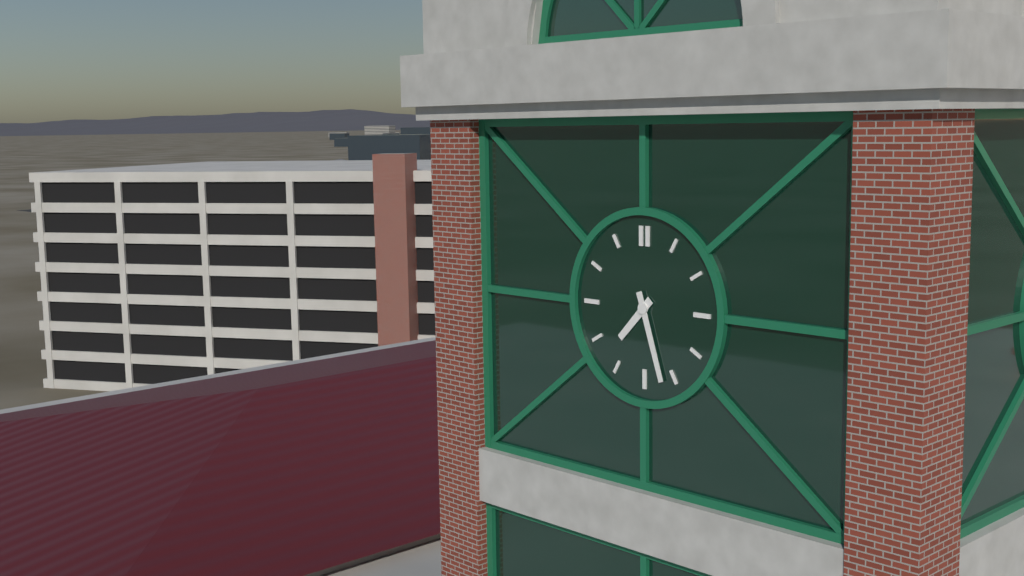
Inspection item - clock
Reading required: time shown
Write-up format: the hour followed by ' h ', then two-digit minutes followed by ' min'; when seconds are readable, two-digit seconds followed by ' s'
7 h 27 min
